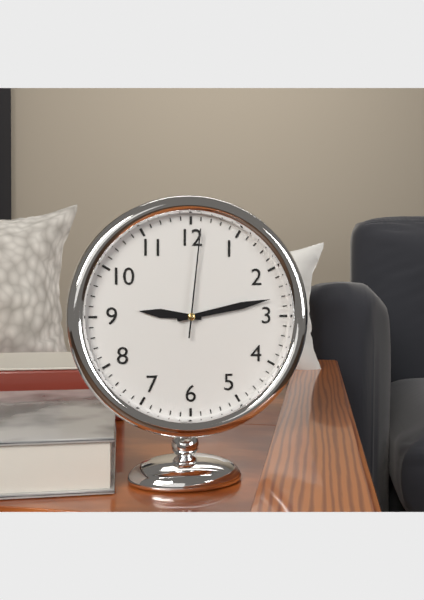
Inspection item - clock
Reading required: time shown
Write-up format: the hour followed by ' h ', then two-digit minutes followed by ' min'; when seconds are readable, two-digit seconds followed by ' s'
9 h 13 min 01 s
